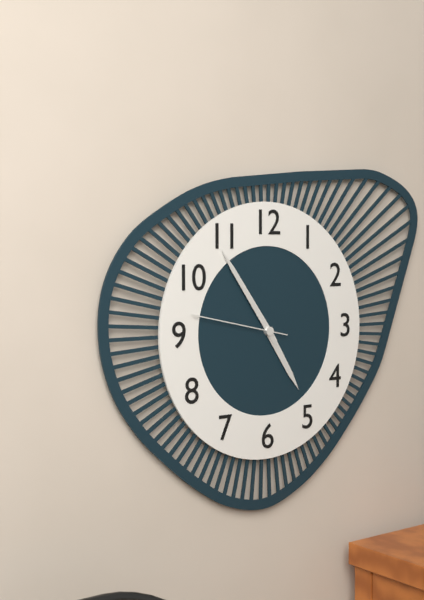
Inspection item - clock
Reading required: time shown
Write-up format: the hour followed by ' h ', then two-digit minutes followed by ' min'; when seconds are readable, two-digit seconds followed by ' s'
4 h 54 min 47 s
